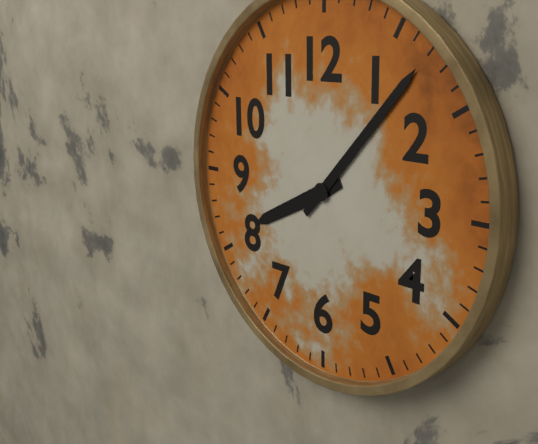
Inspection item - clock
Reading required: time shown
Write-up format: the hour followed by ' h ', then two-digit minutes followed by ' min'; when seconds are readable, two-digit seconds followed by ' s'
8 h 07 min
